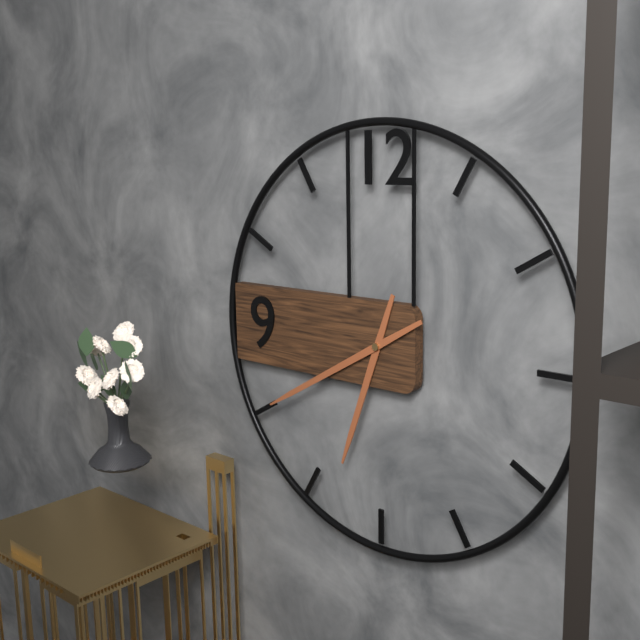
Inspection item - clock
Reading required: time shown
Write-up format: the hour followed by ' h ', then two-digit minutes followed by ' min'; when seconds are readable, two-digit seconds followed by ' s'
6 h 40 min
